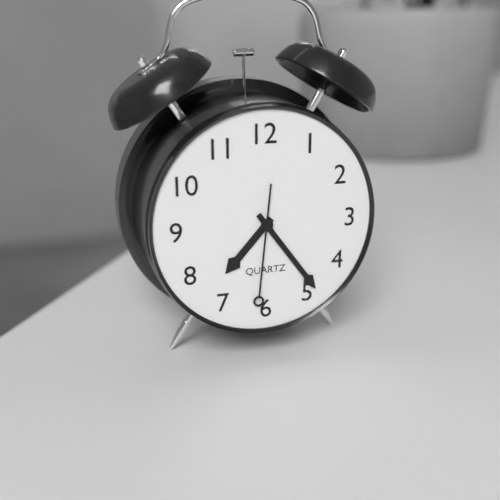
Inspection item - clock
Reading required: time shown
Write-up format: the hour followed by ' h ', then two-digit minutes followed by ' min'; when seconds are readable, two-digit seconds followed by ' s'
7 h 24 min 31 s
